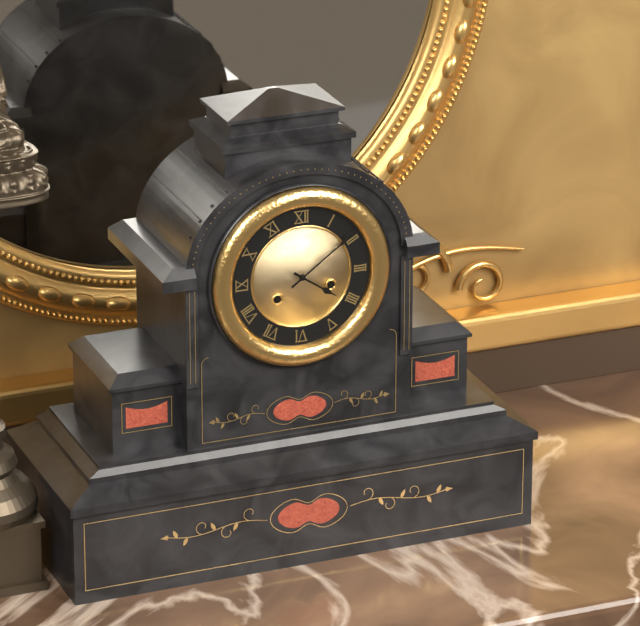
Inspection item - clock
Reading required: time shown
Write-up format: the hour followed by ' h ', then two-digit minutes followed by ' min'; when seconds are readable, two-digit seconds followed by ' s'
4 h 09 min
